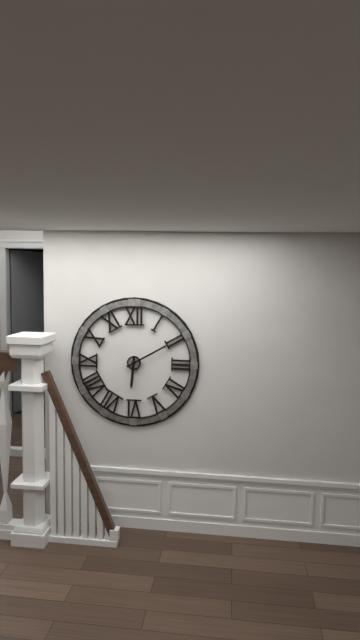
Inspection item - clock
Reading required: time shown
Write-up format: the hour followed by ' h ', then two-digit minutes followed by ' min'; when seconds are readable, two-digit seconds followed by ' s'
6 h 10 min
